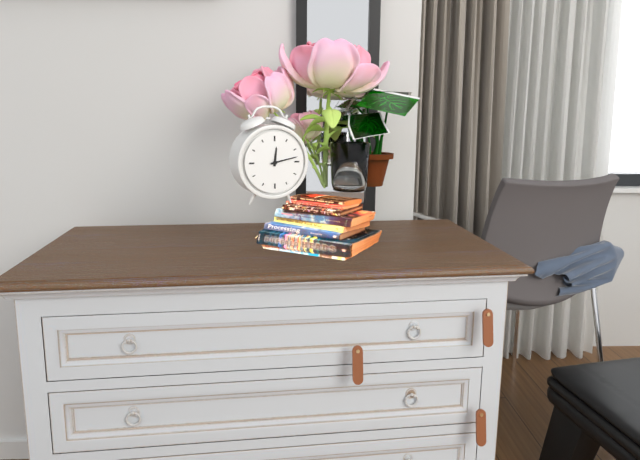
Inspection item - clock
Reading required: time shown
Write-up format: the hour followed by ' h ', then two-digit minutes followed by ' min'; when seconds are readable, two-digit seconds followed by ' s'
12 h 13 min
